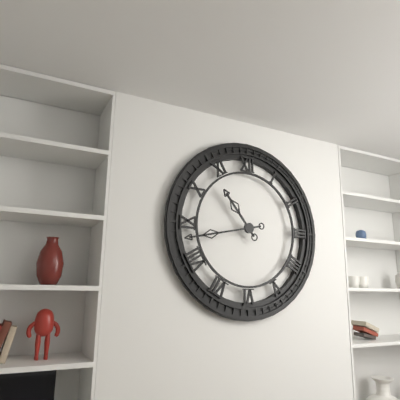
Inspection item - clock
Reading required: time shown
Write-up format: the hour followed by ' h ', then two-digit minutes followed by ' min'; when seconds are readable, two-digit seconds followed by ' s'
10 h 43 min
